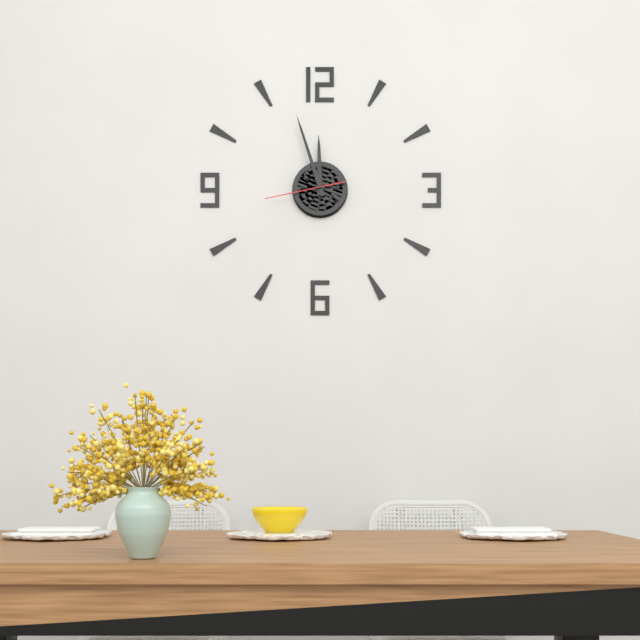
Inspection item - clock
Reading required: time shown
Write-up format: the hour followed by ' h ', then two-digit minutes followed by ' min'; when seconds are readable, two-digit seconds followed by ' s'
11 h 57 min 43 s
